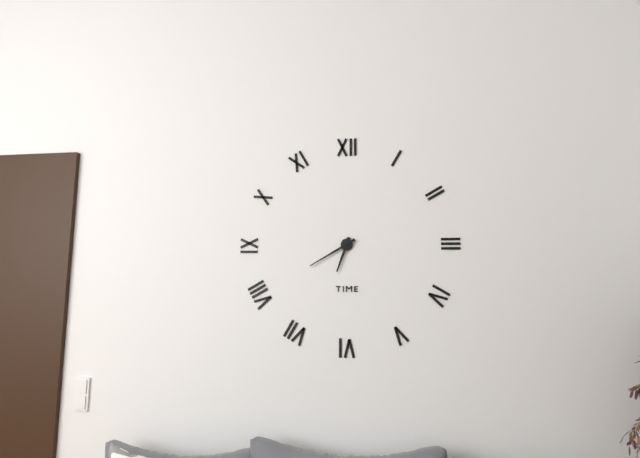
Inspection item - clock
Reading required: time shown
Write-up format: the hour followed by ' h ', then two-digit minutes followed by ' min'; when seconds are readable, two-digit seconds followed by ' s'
6 h 40 min
